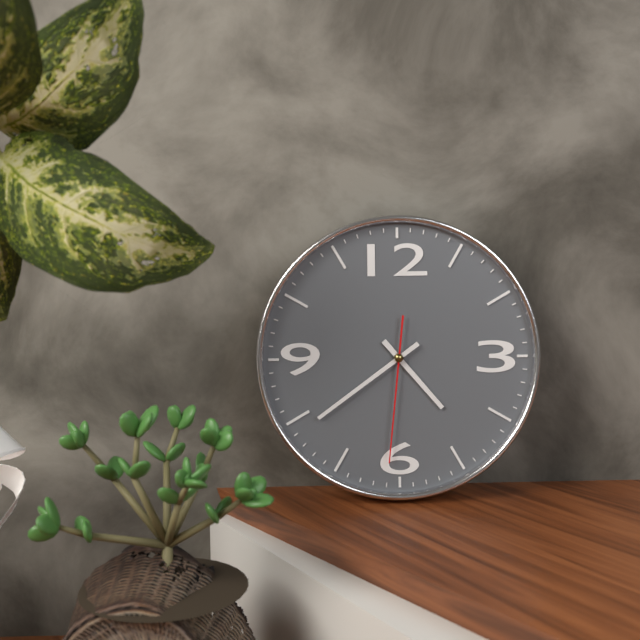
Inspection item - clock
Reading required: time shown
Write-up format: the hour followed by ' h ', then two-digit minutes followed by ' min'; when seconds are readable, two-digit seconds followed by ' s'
4 h 39 min 31 s
